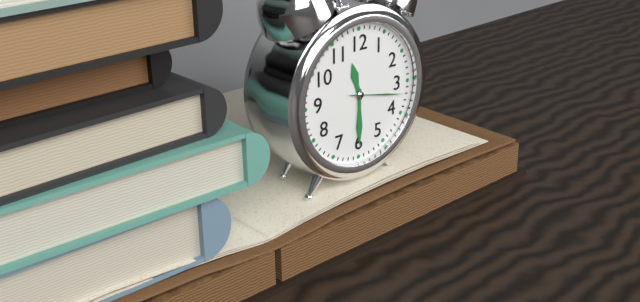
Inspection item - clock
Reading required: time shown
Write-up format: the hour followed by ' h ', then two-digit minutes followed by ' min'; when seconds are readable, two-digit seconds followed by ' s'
11 h 30 min 17 s
